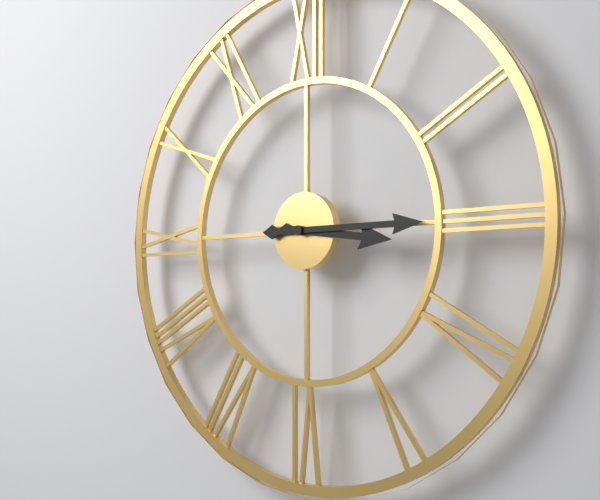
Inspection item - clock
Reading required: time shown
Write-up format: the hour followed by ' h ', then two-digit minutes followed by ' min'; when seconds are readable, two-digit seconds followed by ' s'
3 h 15 min
